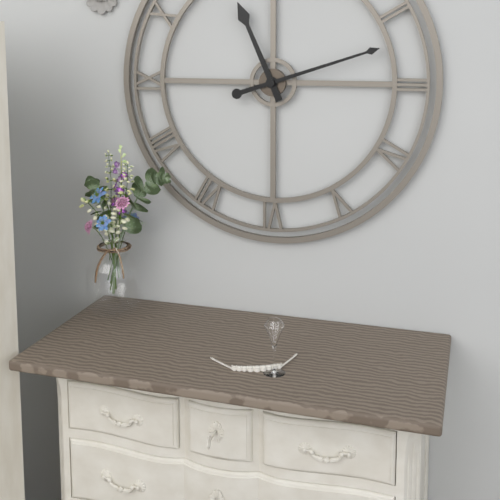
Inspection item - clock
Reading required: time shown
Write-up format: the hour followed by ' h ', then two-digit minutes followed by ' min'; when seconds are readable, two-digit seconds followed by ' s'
11 h 12 min
